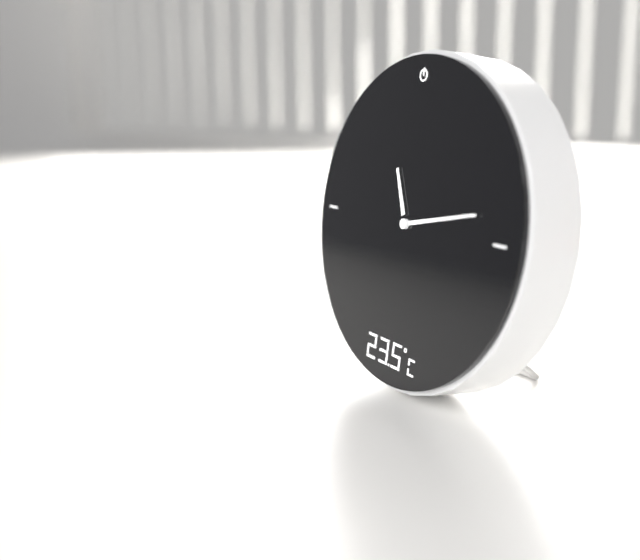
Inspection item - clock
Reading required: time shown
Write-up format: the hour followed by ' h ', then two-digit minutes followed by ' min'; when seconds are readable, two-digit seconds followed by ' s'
11 h 13 min
